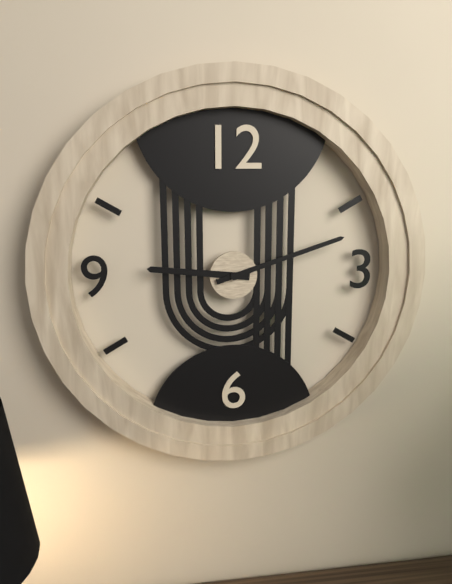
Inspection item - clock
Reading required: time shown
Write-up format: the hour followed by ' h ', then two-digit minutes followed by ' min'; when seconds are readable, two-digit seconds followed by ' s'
9 h 12 min
